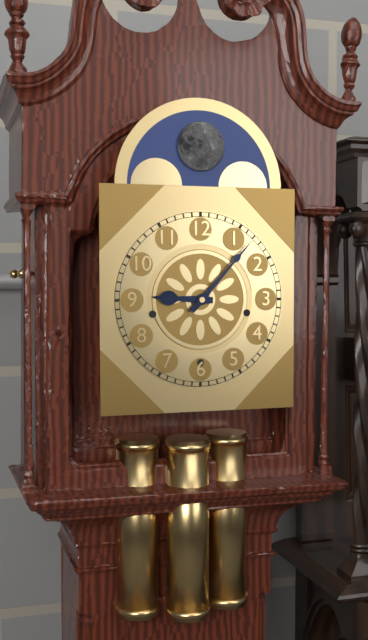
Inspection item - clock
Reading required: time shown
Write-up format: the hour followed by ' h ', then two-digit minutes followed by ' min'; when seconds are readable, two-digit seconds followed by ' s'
9 h 07 min
